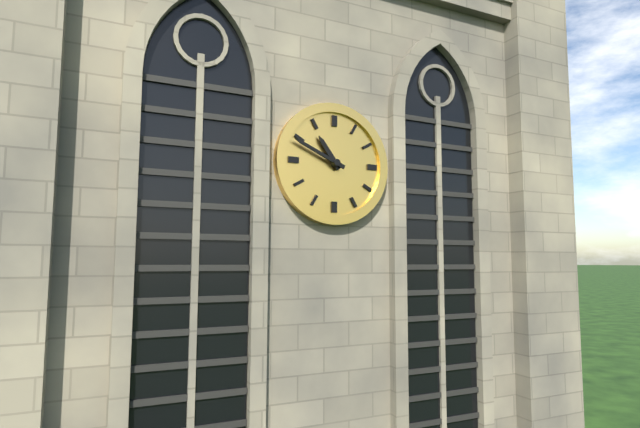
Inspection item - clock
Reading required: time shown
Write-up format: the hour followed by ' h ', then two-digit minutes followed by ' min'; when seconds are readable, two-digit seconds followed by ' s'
10 h 49 min
